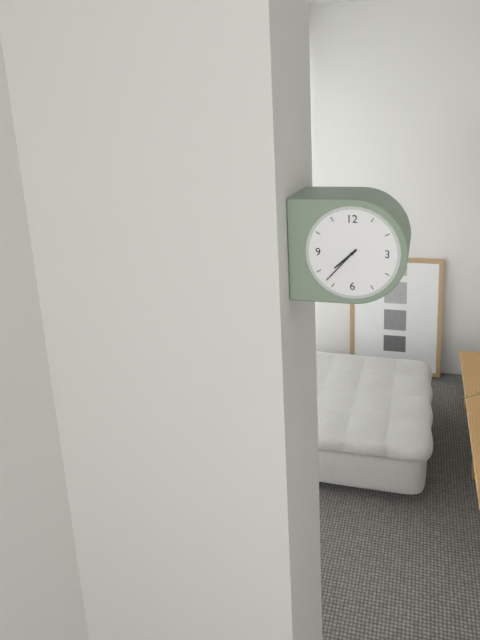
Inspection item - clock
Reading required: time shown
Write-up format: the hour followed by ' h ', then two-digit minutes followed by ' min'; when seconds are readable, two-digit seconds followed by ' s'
7 h 37 min
